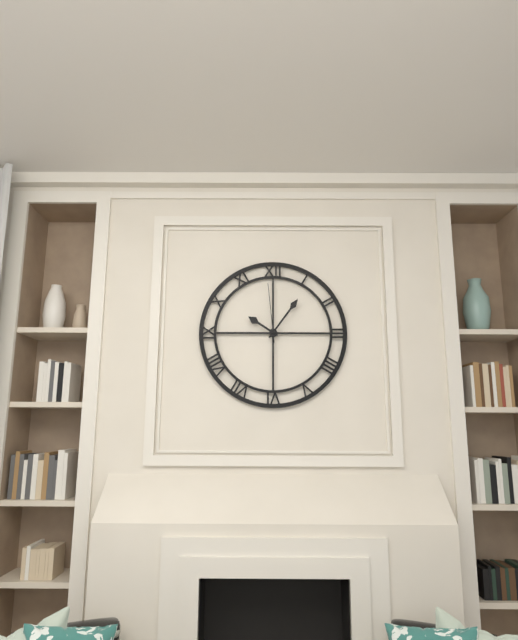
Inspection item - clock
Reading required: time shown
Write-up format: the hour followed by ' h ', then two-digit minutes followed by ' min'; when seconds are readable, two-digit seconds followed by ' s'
10 h 06 min 59 s
